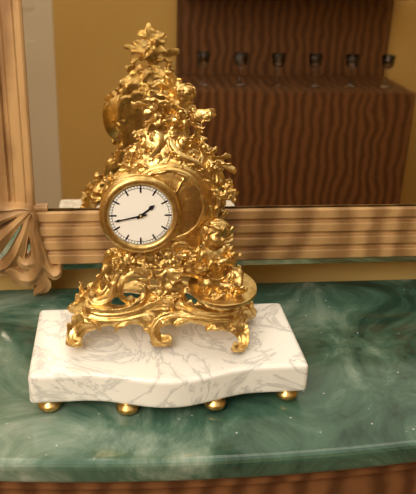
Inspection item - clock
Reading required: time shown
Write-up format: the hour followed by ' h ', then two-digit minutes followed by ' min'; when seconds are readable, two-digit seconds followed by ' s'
1 h 43 min
